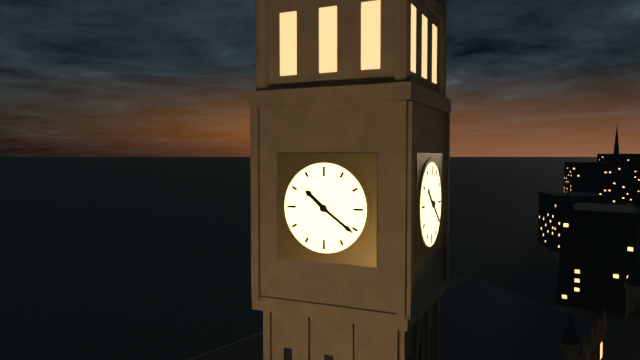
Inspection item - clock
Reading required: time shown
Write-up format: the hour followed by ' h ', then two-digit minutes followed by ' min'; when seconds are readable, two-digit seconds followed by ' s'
10 h 21 min
